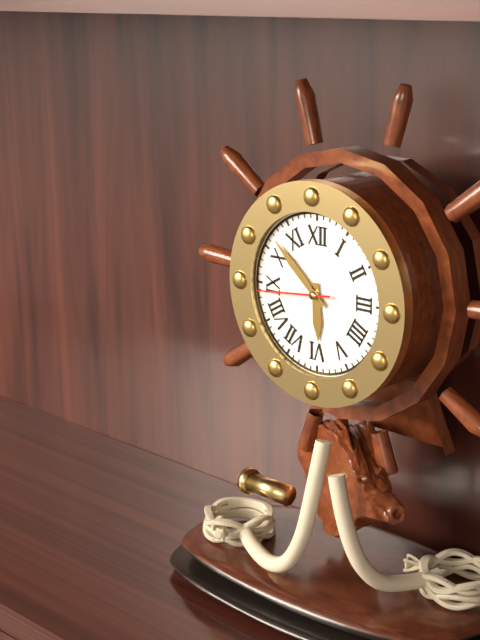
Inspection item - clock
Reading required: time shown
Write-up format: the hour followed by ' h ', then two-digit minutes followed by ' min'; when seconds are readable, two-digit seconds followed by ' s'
5 h 52 min 44 s
